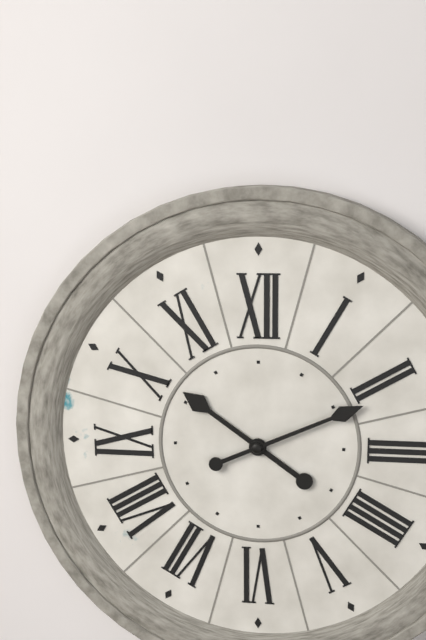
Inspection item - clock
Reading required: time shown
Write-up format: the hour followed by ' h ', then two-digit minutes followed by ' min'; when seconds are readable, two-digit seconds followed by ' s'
10 h 11 min
